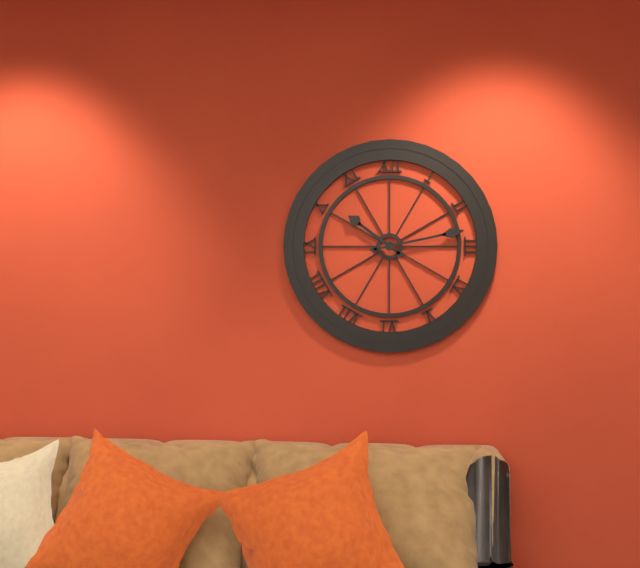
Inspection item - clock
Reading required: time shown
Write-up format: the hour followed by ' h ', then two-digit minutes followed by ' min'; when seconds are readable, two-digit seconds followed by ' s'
10 h 13 min
